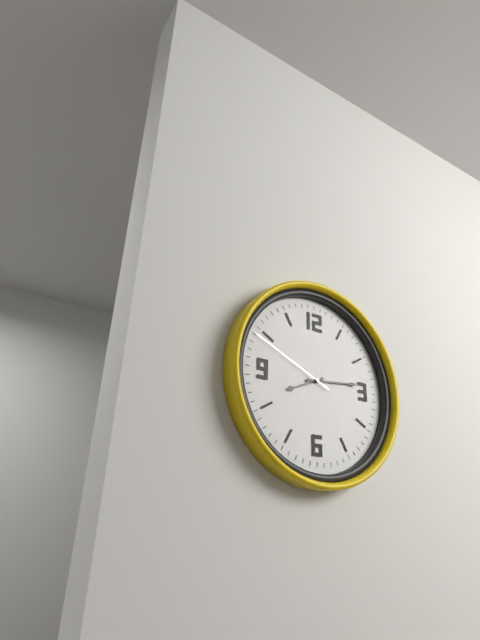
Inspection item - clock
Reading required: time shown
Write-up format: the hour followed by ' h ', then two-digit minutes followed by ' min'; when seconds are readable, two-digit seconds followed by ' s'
8 h 14 min 49 s
